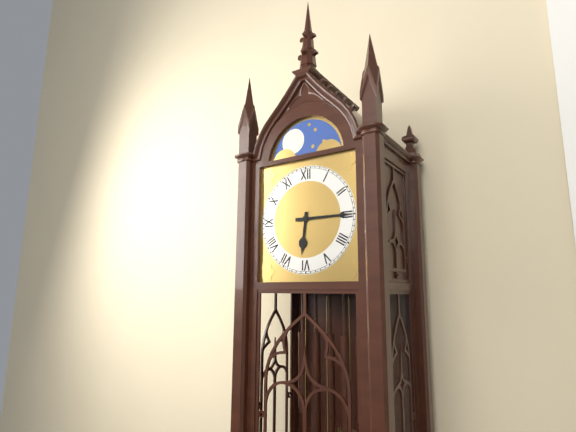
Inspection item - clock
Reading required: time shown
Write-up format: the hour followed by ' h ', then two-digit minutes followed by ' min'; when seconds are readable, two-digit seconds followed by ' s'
6 h 15 min
